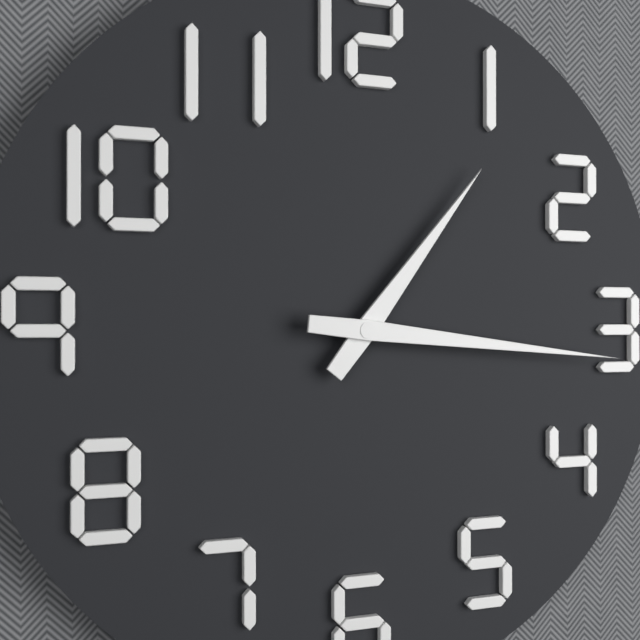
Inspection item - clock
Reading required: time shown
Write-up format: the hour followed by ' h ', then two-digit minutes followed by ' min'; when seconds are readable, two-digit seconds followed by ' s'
1 h 16 min
